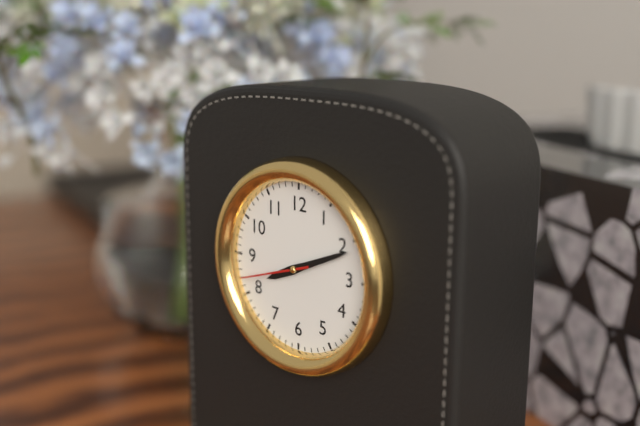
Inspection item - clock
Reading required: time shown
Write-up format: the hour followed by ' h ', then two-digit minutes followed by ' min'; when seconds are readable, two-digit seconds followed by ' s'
8 h 11 min 42 s
